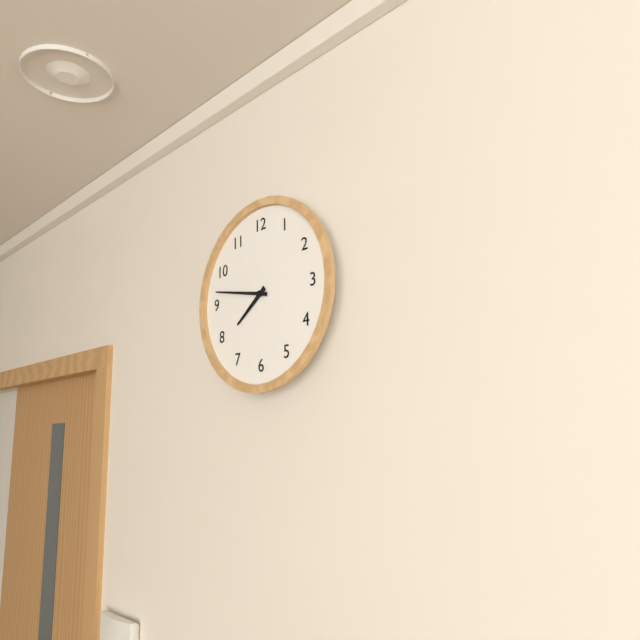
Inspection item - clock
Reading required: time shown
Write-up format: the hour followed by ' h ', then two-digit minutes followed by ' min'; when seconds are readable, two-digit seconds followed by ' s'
7 h 47 min
